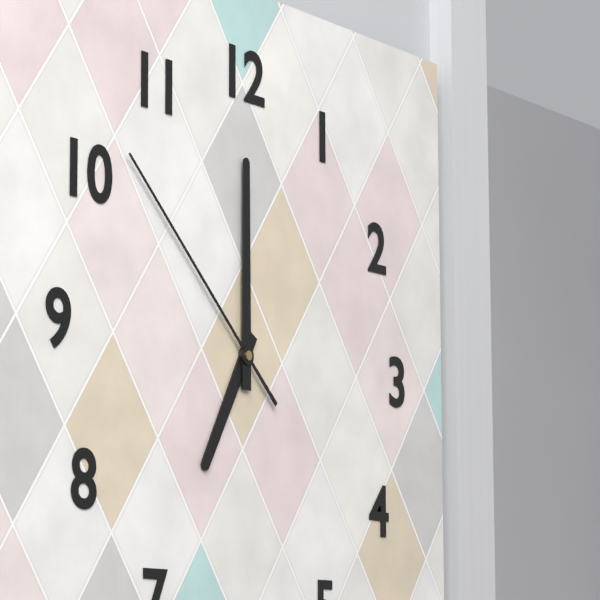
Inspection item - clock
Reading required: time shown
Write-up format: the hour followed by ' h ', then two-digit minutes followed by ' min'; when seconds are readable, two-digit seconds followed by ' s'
7 h 00 min 52 s
